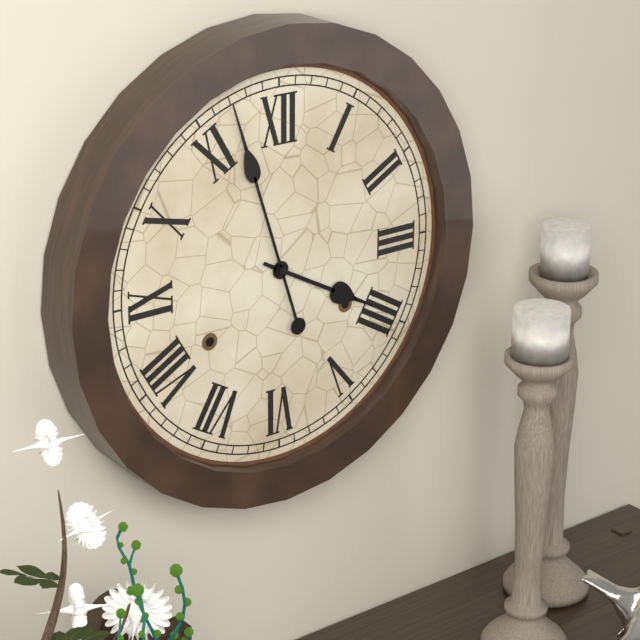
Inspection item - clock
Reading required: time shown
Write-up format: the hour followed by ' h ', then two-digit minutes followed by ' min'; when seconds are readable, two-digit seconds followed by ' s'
3 h 57 min
